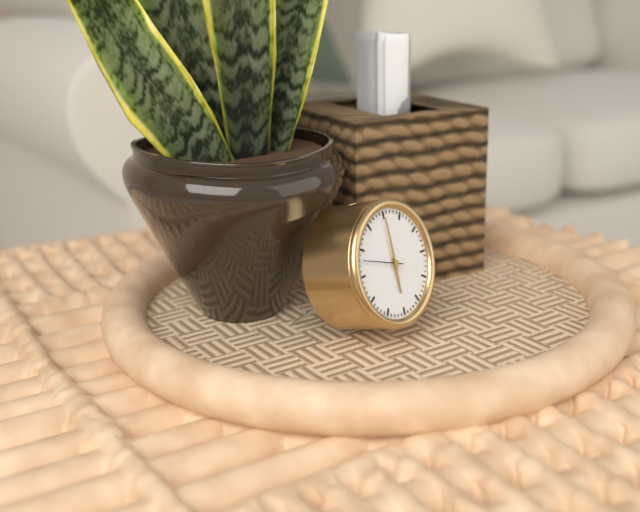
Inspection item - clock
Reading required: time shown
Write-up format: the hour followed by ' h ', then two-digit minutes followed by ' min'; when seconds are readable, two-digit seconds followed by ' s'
6 h 00 min
